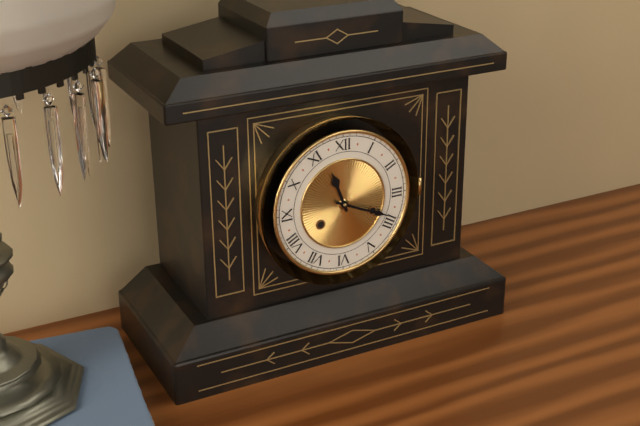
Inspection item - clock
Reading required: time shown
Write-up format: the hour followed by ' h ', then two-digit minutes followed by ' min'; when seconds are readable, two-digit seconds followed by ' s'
11 h 19 min
